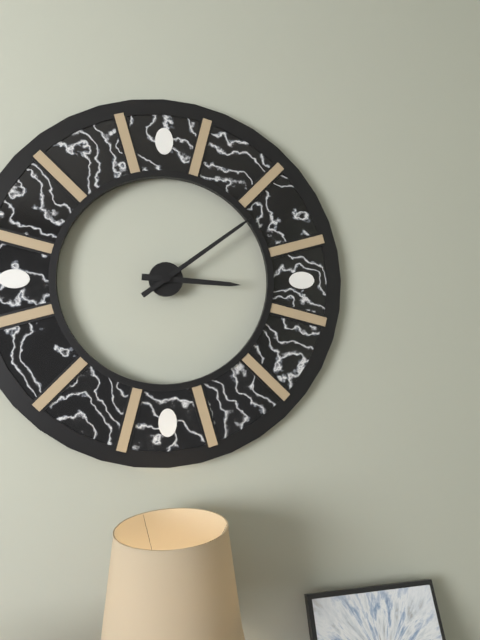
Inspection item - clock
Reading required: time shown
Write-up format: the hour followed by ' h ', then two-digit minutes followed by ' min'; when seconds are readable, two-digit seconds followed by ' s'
3 h 09 min
